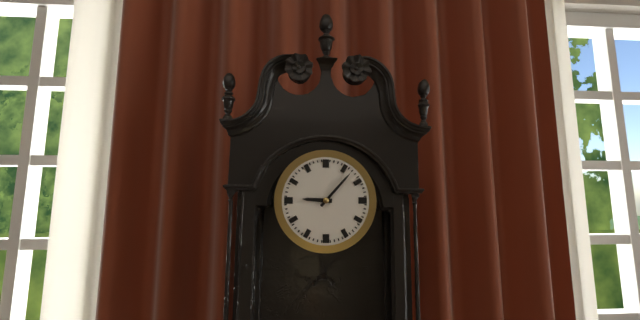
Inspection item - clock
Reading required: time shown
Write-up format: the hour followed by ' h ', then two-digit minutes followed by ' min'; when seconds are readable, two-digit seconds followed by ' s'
9 h 07 min
